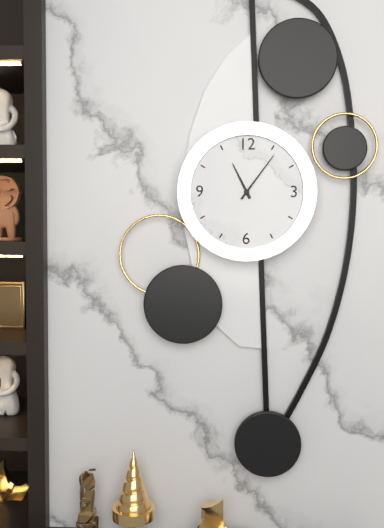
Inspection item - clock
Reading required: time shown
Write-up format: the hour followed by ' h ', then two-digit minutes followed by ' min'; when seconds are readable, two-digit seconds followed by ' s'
11 h 06 min
